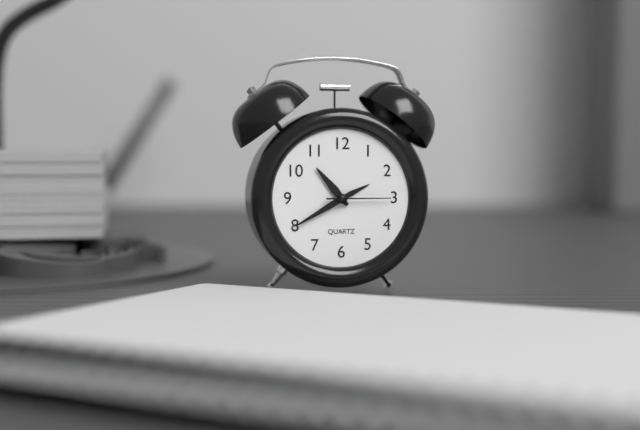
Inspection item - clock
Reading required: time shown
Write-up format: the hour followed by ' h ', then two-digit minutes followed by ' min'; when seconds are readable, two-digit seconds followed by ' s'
10 h 40 min 15 s
